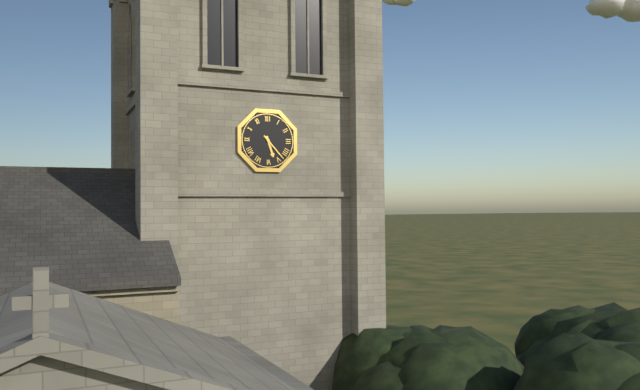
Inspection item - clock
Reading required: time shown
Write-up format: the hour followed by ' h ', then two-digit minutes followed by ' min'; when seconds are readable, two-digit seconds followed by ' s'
5 h 23 min
